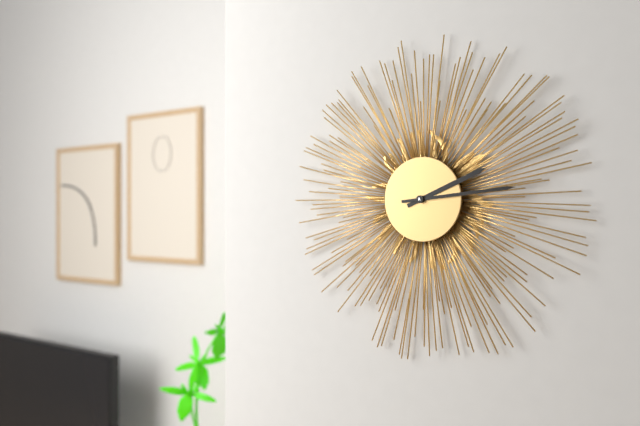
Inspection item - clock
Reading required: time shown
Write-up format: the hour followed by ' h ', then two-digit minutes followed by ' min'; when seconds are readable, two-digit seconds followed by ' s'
2 h 14 min
